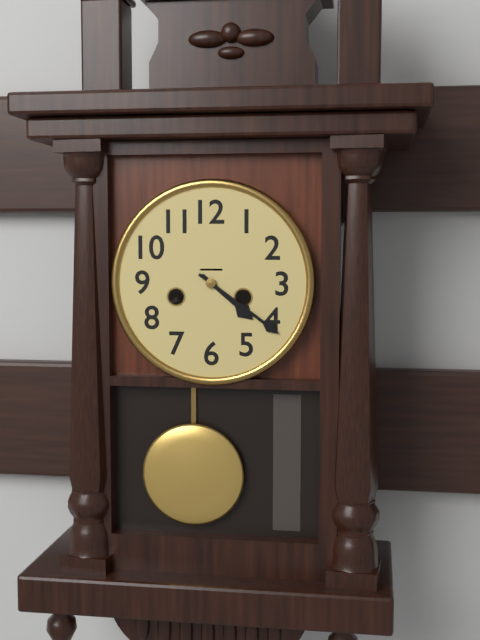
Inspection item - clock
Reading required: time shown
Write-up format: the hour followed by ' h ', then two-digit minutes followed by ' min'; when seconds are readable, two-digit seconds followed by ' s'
4 h 21 min
